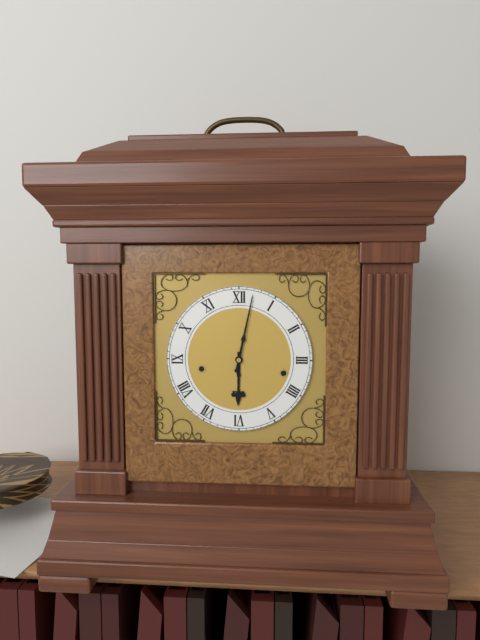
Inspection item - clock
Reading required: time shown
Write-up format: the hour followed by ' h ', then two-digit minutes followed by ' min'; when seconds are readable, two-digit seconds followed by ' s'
6 h 02 min
